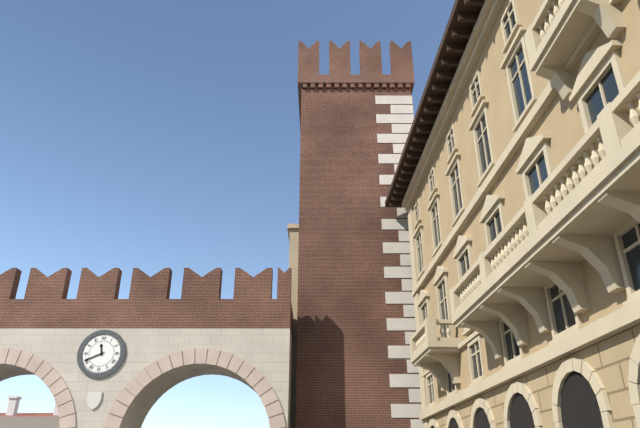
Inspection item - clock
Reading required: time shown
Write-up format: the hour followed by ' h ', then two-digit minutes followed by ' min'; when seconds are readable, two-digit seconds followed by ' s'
11 h 41 min
